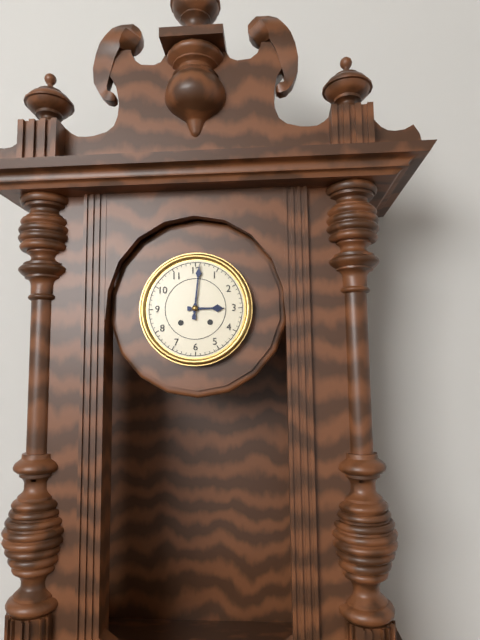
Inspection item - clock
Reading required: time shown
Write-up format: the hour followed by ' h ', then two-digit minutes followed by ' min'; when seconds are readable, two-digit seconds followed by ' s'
3 h 01 min
